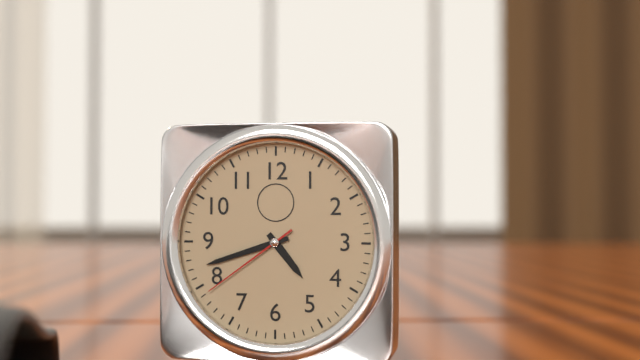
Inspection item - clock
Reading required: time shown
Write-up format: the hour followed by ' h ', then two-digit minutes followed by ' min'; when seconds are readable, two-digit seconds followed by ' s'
4 h 42 min 39 s
